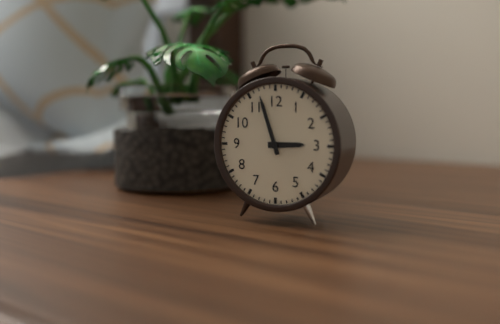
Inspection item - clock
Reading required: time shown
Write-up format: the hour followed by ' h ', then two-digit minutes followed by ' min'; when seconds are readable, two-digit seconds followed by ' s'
2 h 57 min
